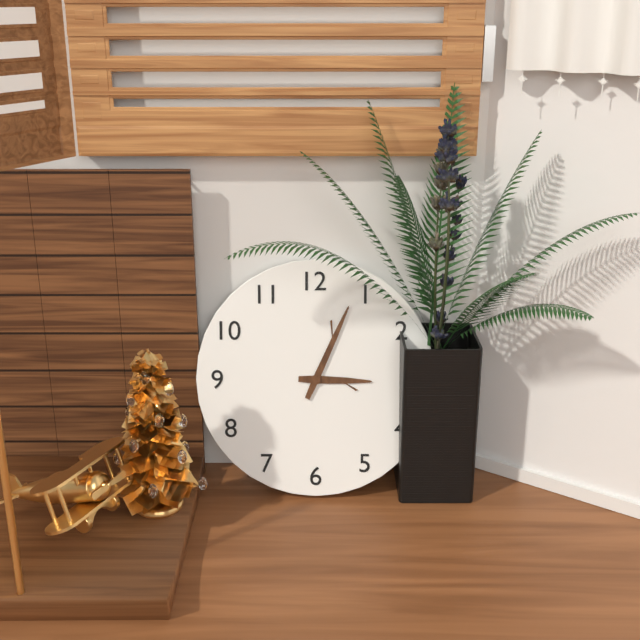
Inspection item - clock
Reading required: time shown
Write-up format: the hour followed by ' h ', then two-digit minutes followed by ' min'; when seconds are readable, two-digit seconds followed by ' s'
3 h 04 min
